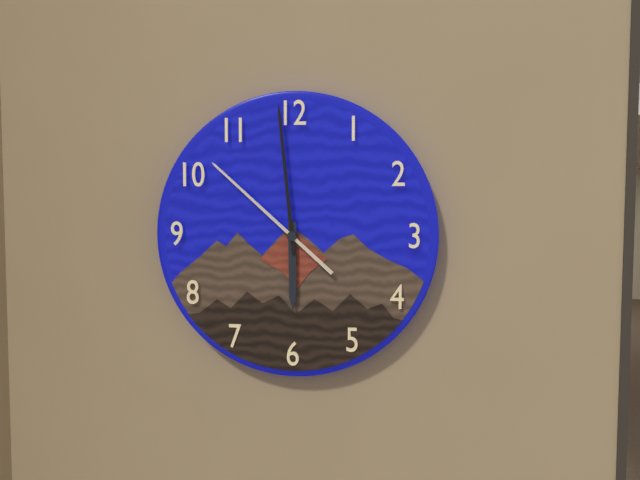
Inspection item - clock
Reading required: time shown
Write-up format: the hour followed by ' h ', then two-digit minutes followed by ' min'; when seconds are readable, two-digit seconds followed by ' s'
5 h 59 min 52 s
